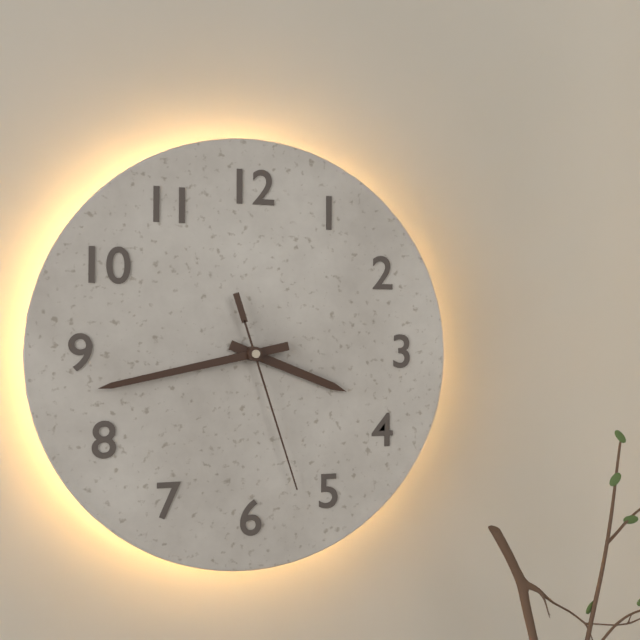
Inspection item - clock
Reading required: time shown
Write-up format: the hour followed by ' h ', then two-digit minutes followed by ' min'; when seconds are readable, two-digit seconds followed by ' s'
3 h 43 min 27 s
